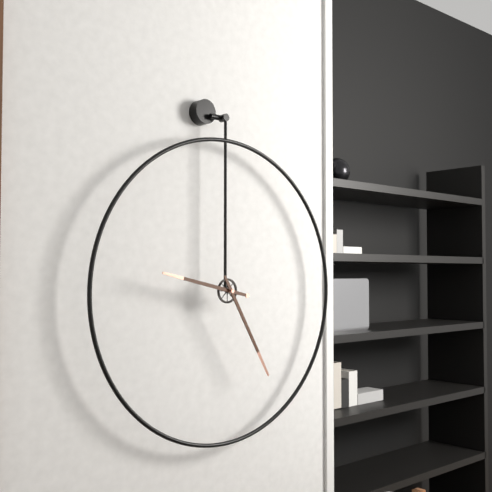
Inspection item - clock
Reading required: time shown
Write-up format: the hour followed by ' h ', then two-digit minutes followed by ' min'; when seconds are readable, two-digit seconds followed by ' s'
9 h 25 min
